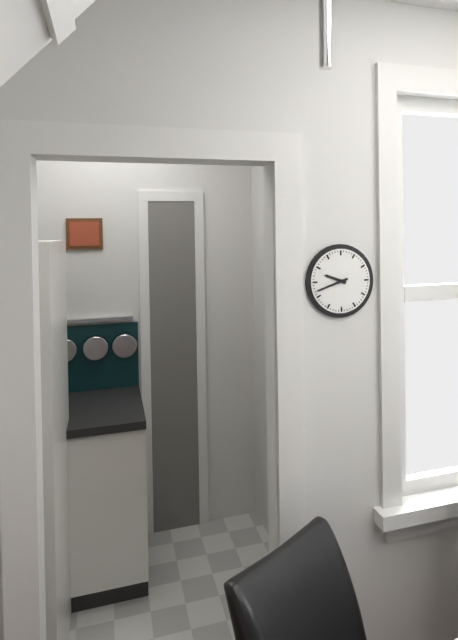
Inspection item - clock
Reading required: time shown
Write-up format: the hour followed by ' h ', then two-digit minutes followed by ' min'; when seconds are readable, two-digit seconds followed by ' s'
9 h 42 min
